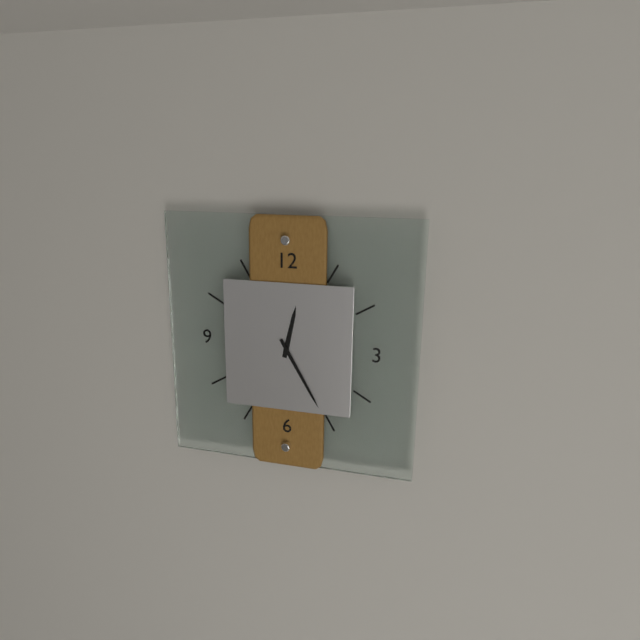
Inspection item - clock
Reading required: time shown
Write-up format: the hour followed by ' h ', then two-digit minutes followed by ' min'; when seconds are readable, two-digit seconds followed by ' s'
12 h 25 min
